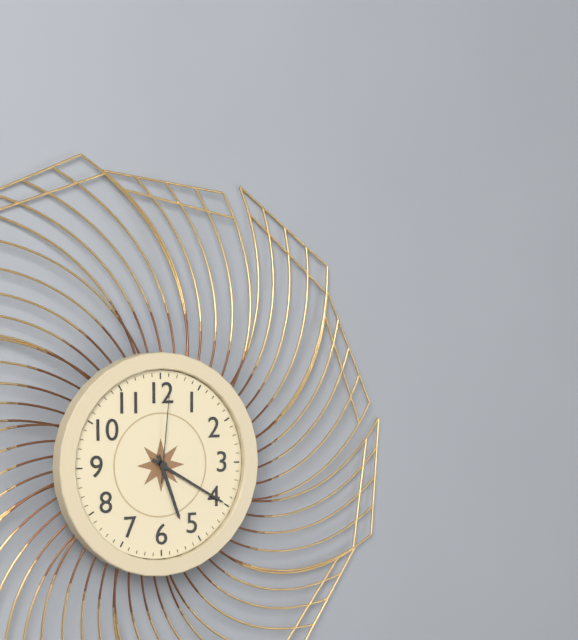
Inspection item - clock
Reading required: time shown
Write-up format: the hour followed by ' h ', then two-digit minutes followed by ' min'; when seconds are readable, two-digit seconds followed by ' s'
5 h 20 min 01 s
